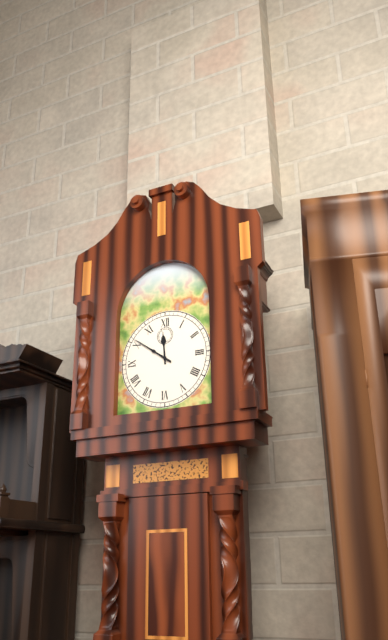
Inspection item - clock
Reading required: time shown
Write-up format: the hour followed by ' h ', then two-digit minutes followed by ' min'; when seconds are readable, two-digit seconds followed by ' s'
11 h 51 min
